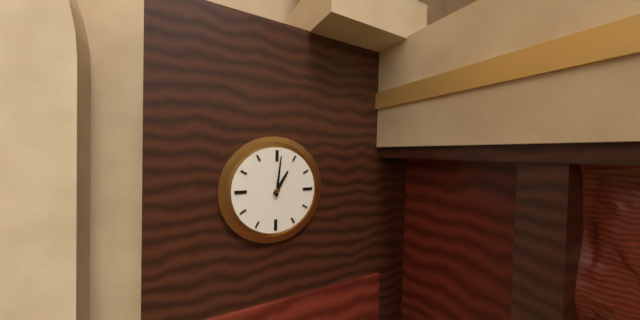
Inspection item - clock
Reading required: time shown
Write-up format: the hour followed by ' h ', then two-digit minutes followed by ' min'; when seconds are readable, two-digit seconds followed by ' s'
1 h 01 min
